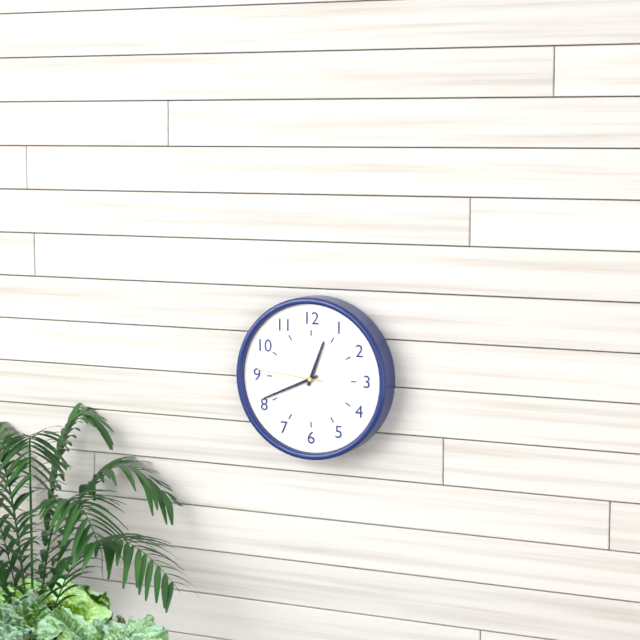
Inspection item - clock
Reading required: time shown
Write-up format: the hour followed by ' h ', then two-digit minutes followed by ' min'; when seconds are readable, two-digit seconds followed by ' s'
12 h 41 min 46 s
